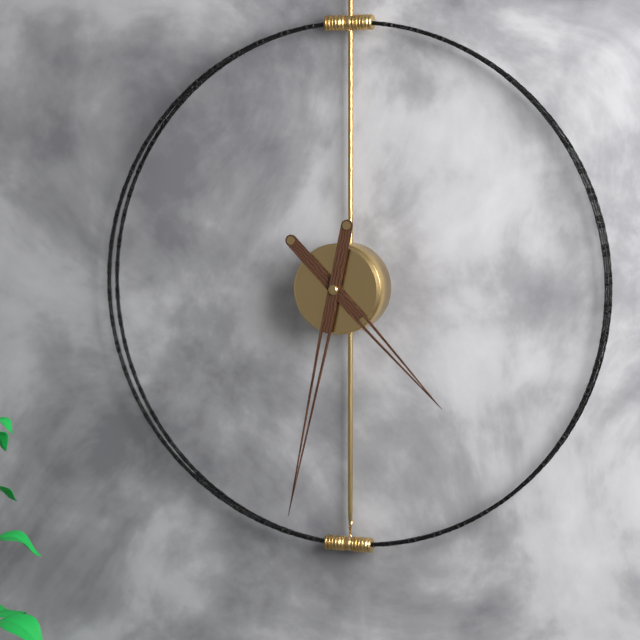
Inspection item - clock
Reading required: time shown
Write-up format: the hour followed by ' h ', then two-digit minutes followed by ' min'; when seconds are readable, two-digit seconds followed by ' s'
4 h 32 min
